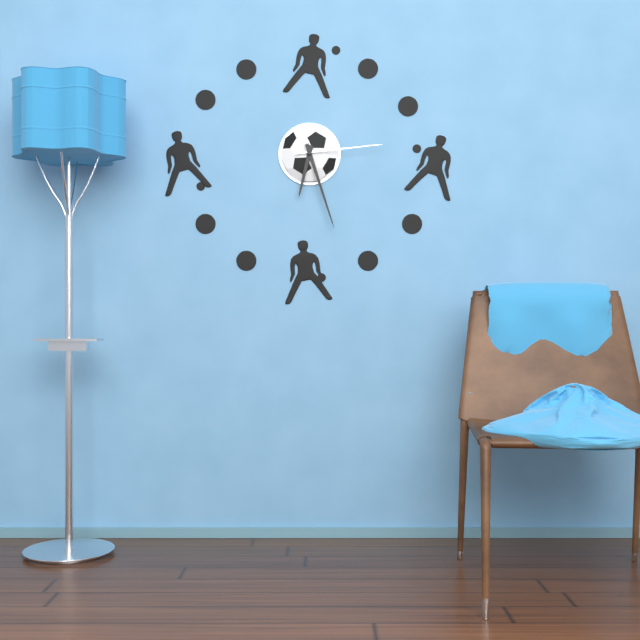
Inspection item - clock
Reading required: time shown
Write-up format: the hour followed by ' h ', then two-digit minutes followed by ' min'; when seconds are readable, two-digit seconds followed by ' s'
6 h 27 min 14 s
